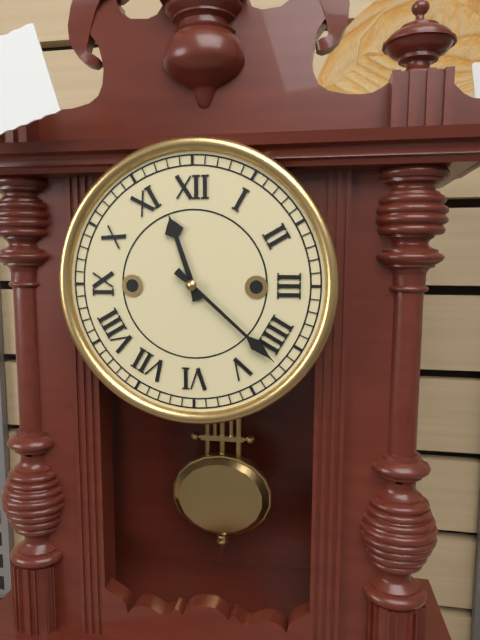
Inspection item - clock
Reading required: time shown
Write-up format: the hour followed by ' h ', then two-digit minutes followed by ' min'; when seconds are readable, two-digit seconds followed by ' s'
11 h 22 min
